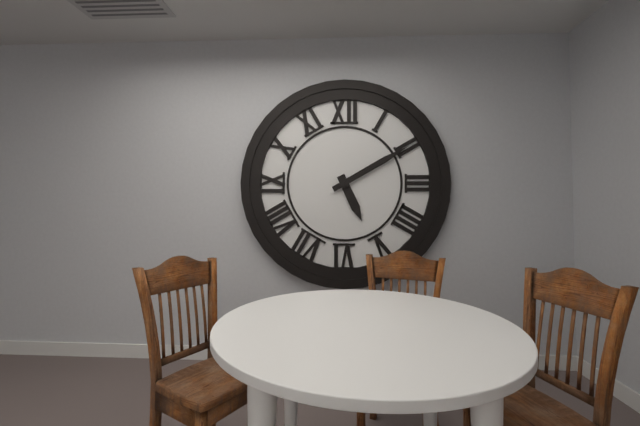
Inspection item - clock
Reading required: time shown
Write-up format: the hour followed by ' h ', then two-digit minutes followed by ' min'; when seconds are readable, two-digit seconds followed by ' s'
5 h 10 min
